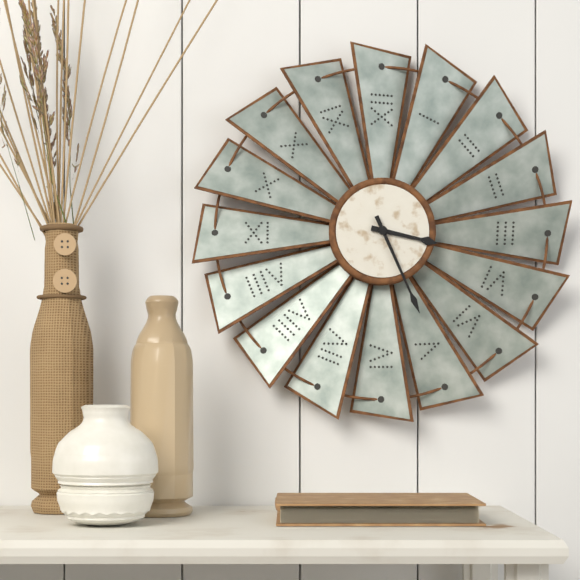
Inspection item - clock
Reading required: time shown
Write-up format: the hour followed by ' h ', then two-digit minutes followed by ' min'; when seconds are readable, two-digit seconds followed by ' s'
3 h 26 min
